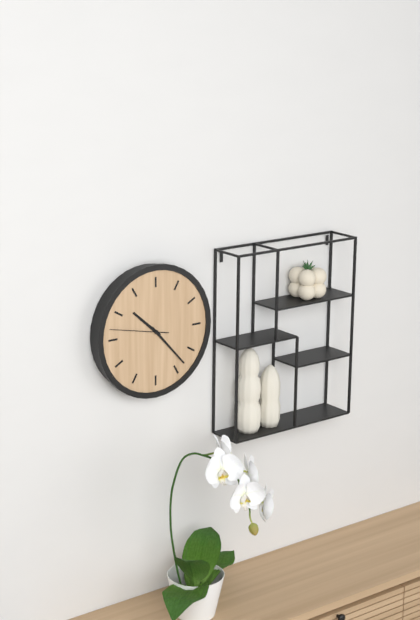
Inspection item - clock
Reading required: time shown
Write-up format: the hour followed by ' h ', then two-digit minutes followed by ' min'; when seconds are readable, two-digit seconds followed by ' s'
10 h 23 min 47 s
